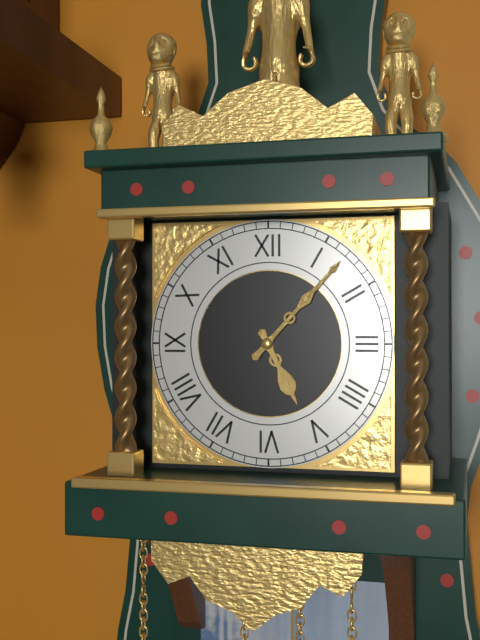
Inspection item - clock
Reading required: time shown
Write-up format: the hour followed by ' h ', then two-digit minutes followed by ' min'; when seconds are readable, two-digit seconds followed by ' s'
5 h 07 min
